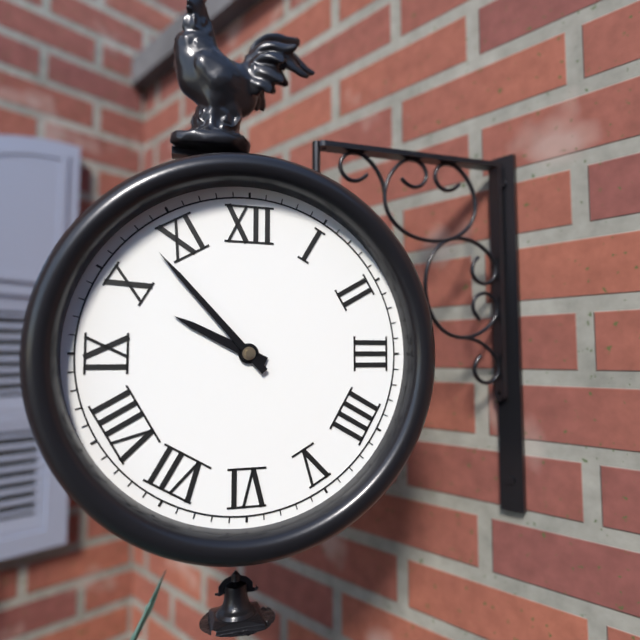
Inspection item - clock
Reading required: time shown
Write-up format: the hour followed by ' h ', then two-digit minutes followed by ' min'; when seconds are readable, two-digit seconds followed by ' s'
9 h 53 min
